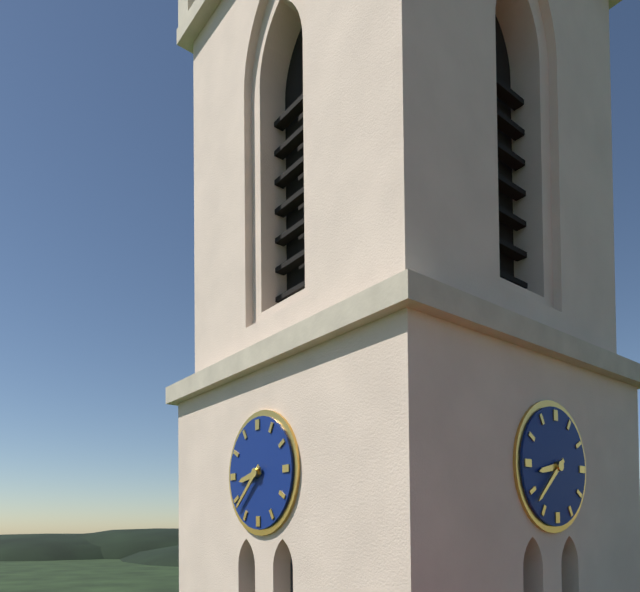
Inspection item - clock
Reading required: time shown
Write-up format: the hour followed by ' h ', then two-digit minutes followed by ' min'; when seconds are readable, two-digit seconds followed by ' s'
8 h 38 min
